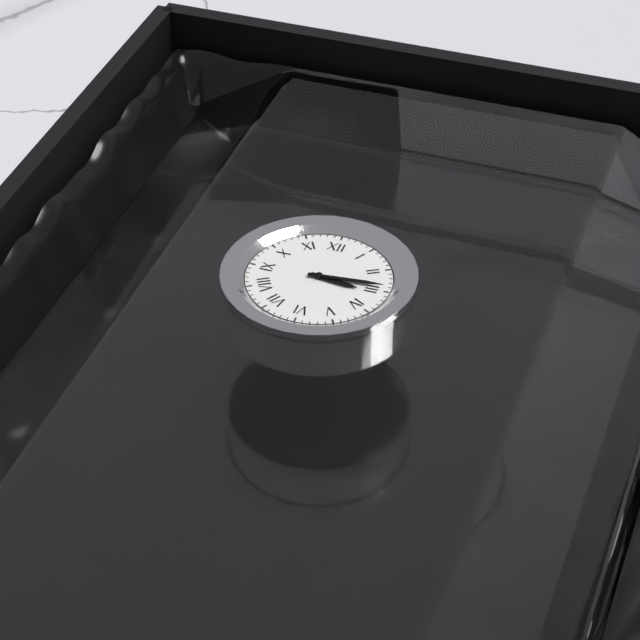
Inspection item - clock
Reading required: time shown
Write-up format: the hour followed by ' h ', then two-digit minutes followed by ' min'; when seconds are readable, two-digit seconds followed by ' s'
3 h 14 min
